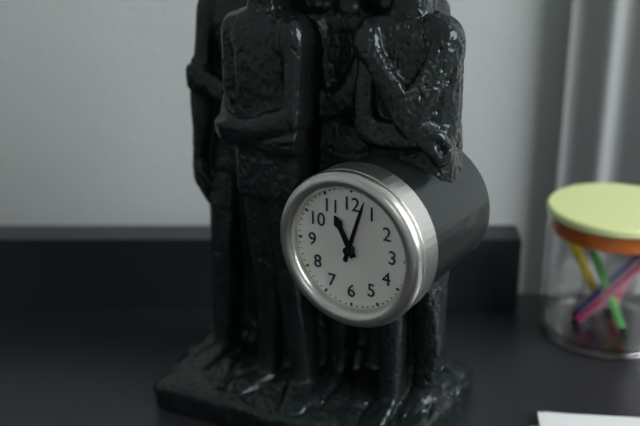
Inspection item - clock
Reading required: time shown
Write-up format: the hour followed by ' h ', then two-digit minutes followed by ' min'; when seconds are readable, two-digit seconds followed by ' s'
11 h 03 min
